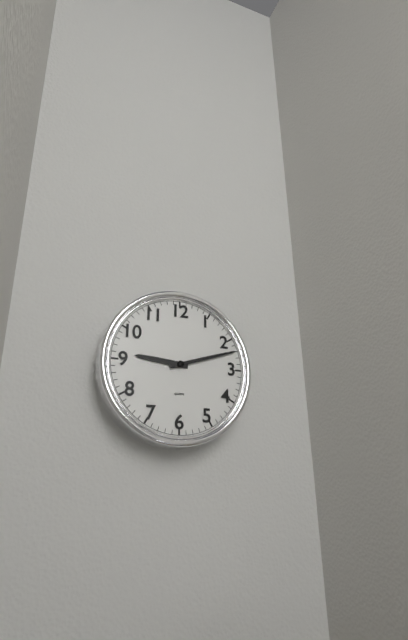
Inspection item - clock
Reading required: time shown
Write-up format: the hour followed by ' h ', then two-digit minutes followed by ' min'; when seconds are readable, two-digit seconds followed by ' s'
9 h 12 min
